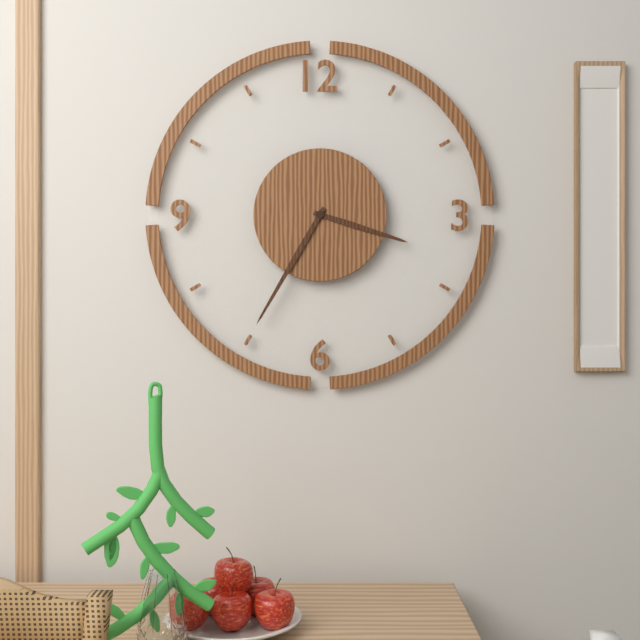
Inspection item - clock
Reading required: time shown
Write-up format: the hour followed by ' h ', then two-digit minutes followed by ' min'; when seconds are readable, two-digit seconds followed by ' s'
3 h 35 min
